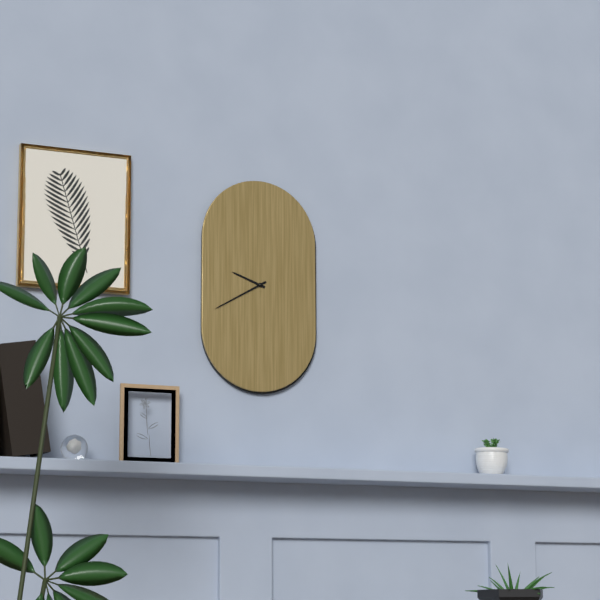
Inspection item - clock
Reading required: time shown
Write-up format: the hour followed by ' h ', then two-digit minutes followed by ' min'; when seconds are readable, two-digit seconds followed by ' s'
9 h 40 min
